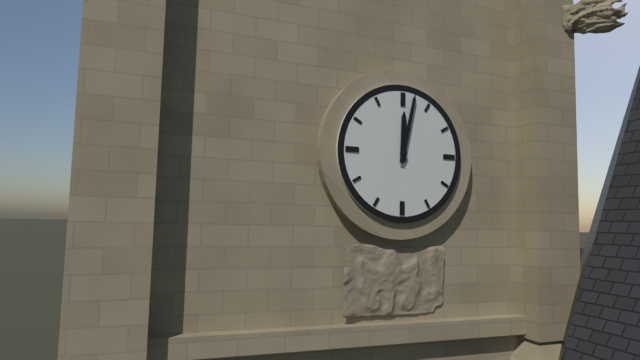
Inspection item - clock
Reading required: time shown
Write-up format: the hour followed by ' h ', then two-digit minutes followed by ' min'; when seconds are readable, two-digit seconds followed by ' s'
12 h 02 min
